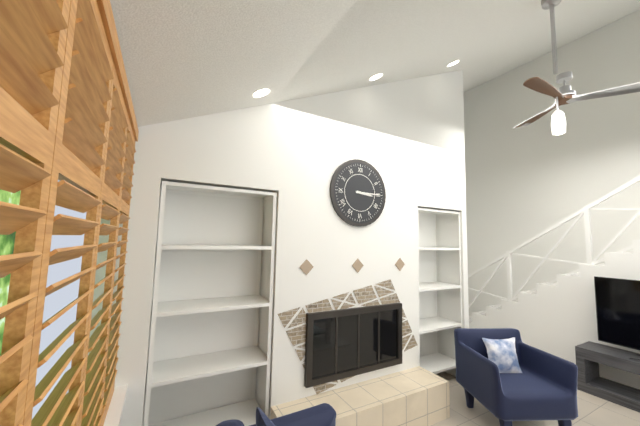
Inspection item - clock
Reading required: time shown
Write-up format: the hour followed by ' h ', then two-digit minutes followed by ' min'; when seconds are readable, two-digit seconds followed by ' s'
3 h 15 min
